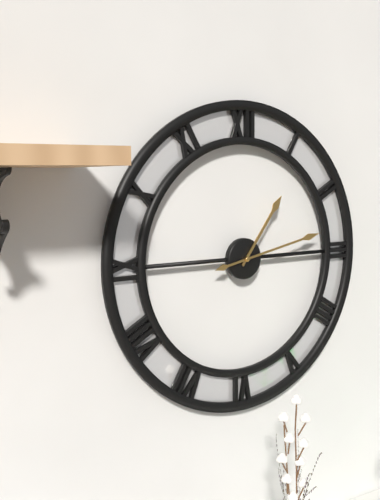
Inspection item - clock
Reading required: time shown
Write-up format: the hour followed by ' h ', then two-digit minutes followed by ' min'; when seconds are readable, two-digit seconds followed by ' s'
1 h 13 min
